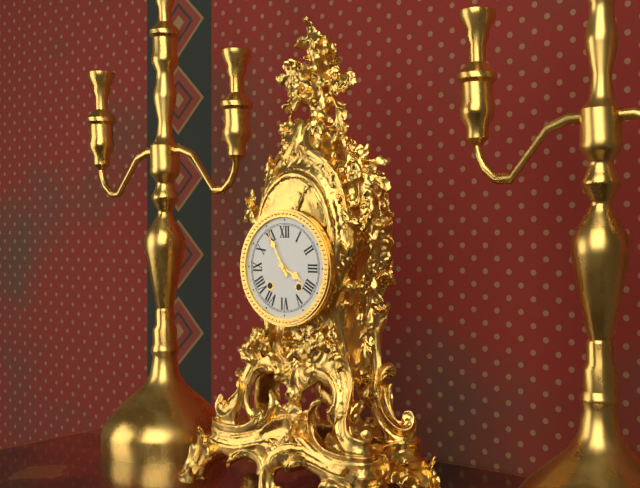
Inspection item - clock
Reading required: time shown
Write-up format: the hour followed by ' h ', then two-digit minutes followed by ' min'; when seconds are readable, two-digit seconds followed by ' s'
3 h 55 min
